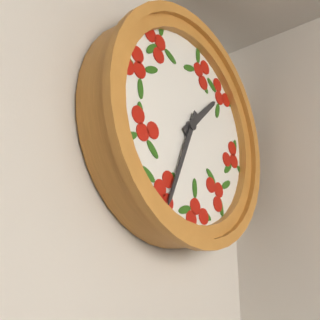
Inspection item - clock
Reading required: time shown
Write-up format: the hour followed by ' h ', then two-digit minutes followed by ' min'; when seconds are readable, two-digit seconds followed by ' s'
1 h 34 min
